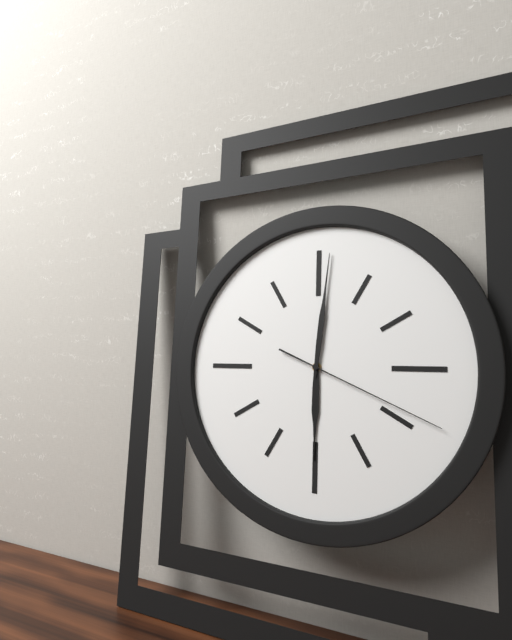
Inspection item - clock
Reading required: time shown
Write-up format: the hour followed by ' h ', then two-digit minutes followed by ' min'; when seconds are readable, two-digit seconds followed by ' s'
6 h 01 min 19 s
